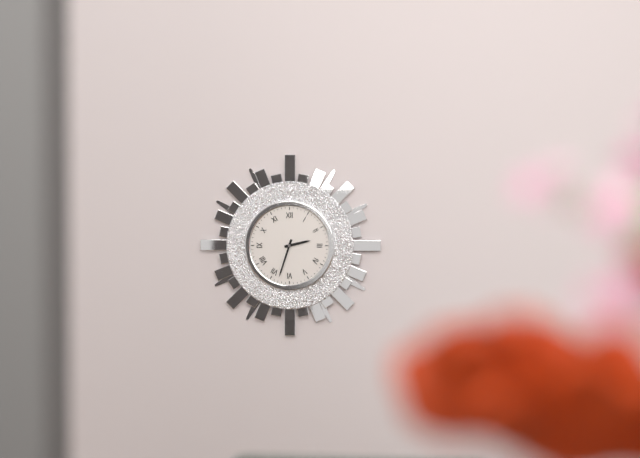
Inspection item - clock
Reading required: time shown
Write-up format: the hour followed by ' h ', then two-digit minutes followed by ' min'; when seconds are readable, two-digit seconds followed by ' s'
2 h 33 min
